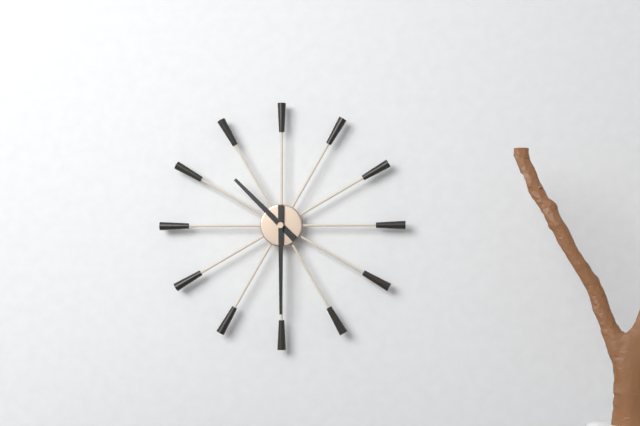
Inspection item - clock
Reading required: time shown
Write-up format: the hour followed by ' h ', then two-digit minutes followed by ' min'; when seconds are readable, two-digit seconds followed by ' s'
10 h 30 min
